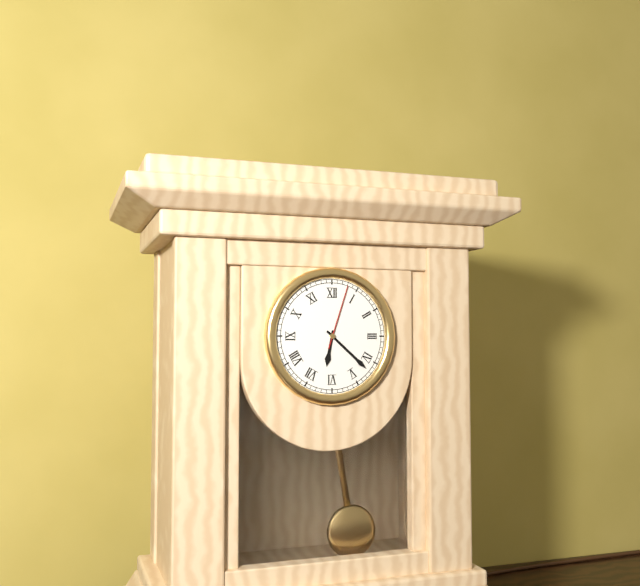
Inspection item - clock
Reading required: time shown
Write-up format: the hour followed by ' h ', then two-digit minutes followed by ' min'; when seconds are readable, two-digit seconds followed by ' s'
6 h 22 min 03 s
